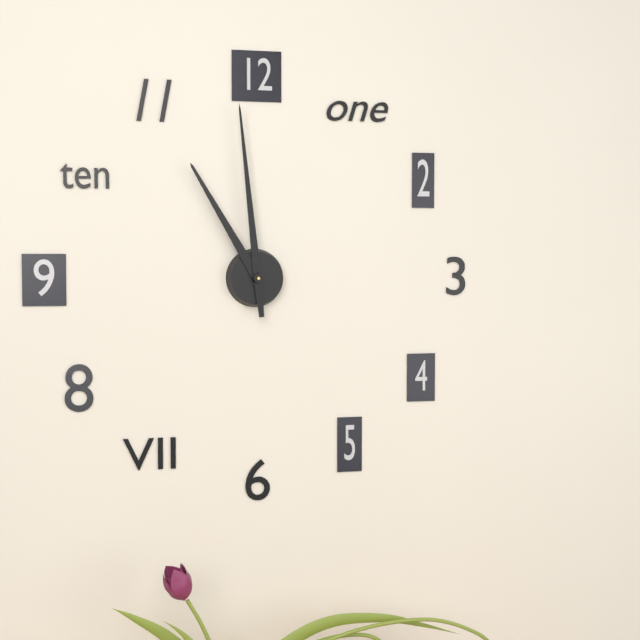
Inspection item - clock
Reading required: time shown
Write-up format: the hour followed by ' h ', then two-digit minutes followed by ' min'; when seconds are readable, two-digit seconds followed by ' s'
10 h 59 min
